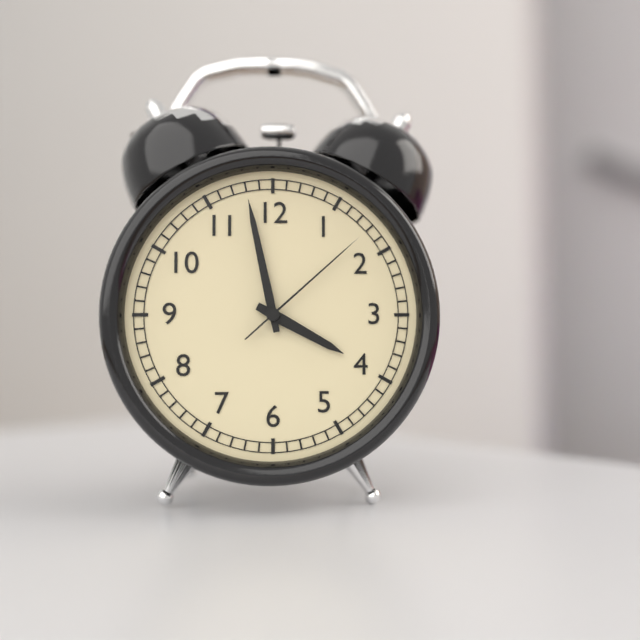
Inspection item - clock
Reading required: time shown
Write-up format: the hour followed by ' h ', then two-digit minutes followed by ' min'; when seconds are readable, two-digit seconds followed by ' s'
3 h 58 min 08 s
